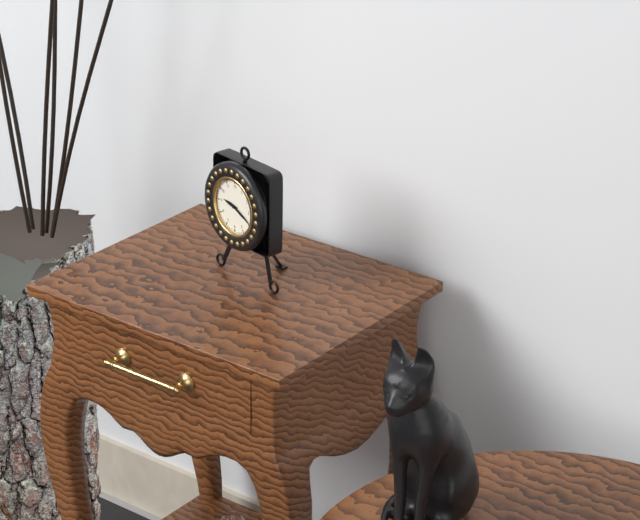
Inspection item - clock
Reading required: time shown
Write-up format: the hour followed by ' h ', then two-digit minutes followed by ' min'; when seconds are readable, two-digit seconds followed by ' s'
9 h 19 min
